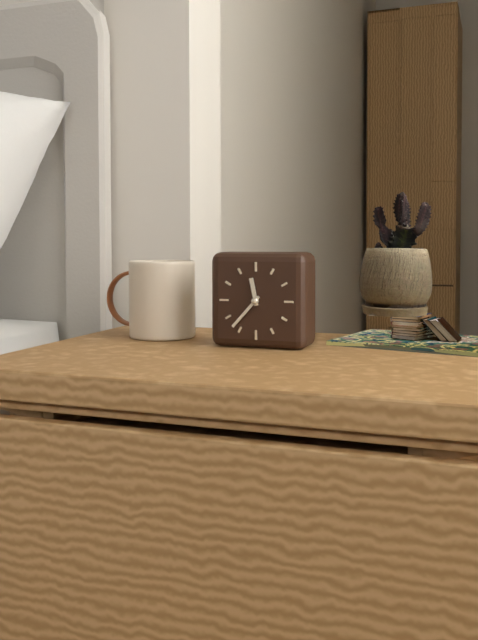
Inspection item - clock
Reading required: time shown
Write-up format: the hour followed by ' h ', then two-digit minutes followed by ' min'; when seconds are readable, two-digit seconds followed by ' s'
11 h 37 min
